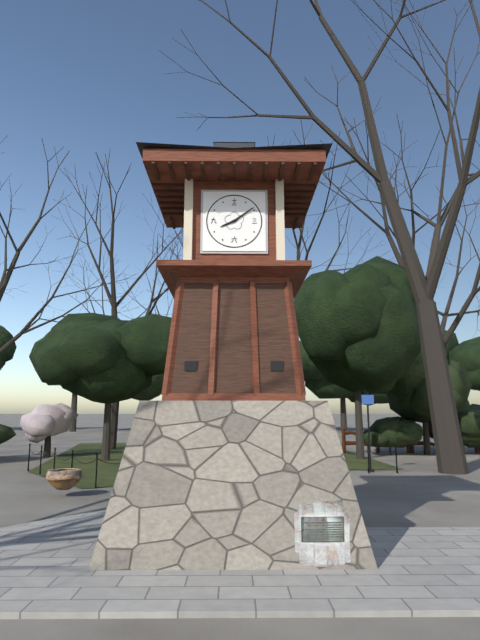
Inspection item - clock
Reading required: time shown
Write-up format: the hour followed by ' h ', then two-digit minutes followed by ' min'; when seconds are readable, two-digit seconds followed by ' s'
8 h 09 min
